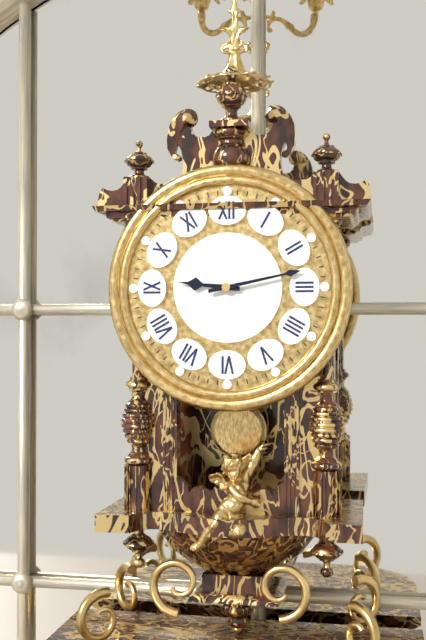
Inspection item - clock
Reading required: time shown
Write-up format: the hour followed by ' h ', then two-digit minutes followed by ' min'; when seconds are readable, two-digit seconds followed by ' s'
9 h 13 min
